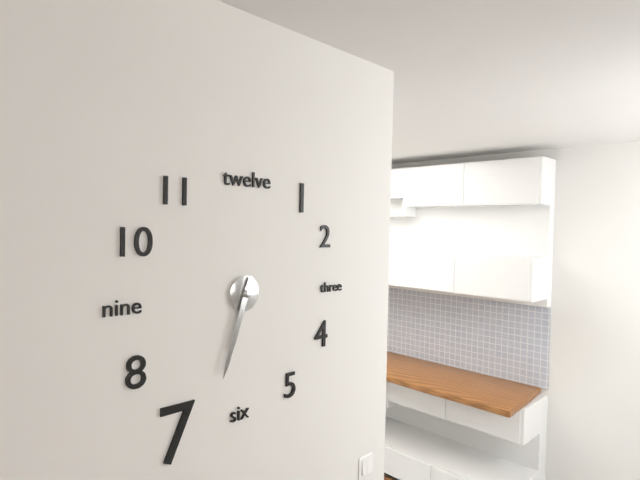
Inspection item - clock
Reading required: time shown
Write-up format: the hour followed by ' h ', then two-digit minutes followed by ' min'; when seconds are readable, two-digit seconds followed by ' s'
6 h 33 min
